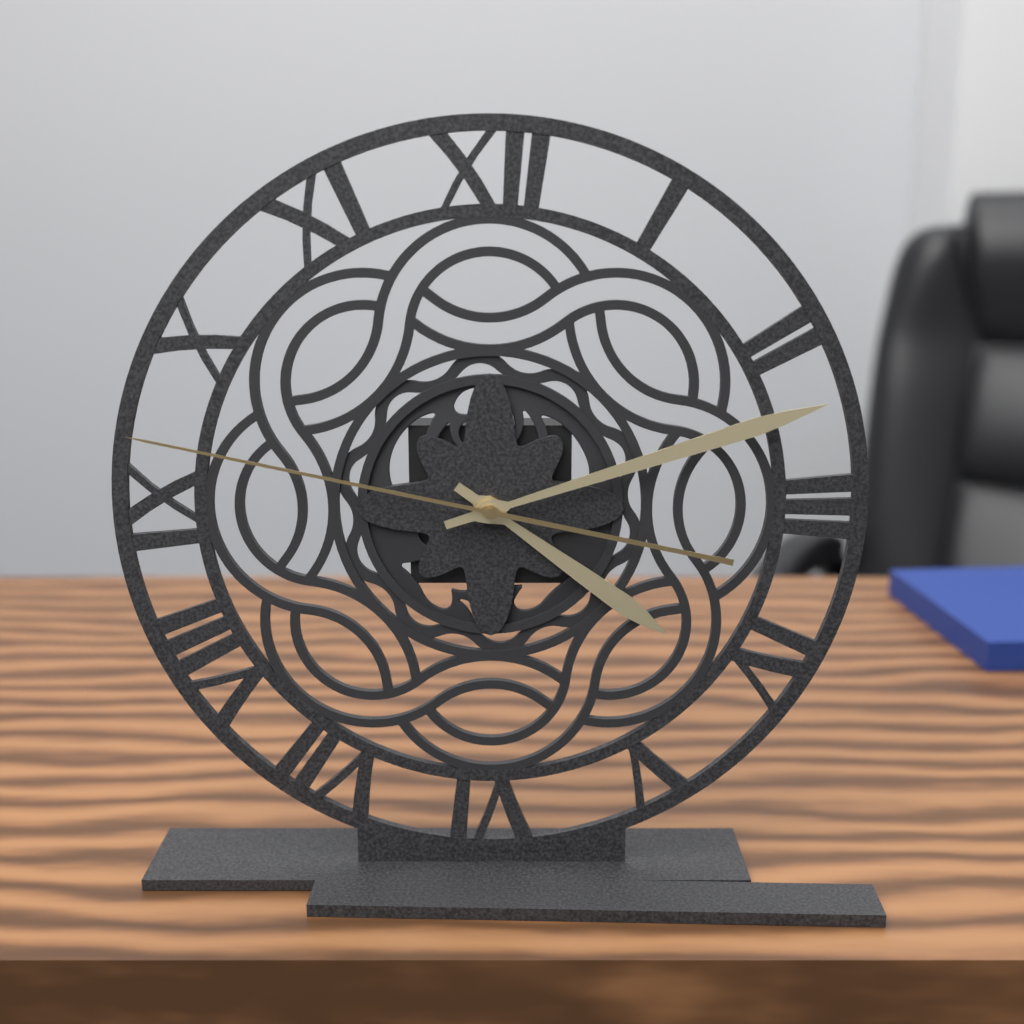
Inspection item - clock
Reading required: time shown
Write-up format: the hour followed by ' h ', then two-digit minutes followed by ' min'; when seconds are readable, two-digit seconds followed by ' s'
4 h 12 min 47 s
